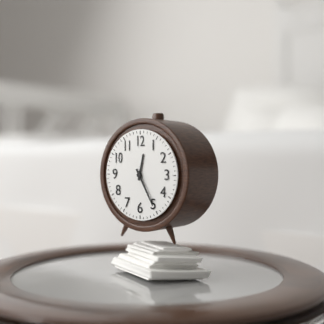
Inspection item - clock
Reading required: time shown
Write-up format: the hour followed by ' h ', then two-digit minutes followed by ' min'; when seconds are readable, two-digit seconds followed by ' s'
12 h 25 min
